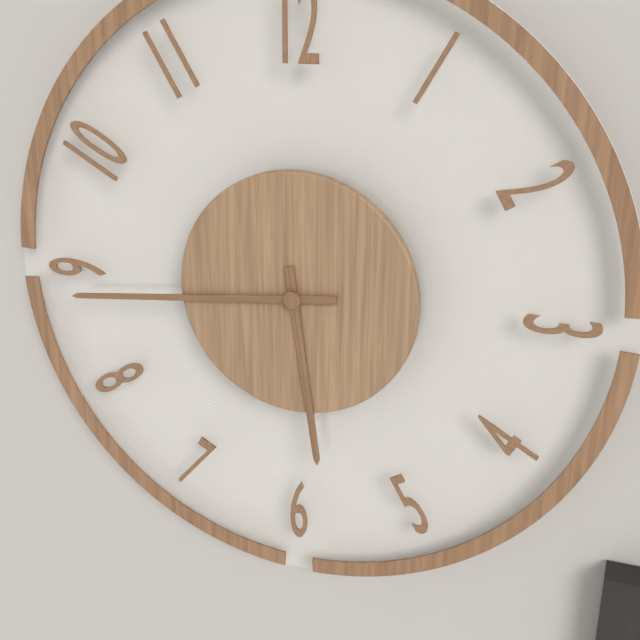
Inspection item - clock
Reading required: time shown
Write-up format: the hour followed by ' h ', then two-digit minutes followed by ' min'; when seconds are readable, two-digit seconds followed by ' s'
5 h 44 min
